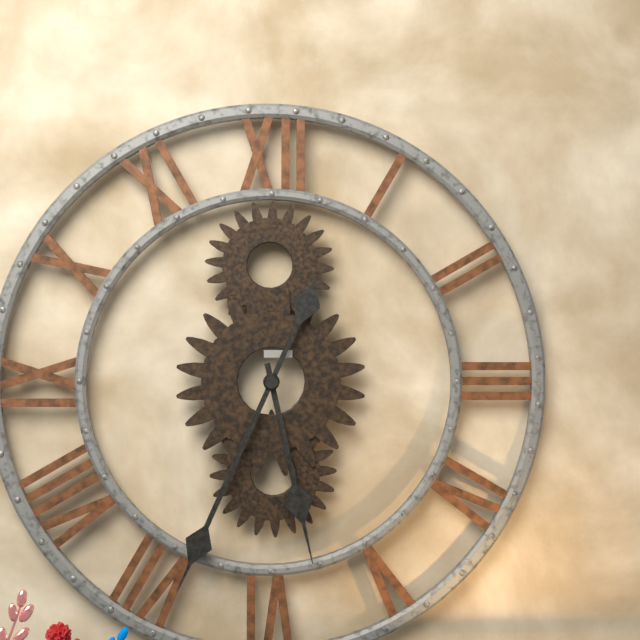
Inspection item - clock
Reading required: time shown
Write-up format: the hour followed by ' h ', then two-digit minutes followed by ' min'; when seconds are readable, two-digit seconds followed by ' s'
5 h 34 min
